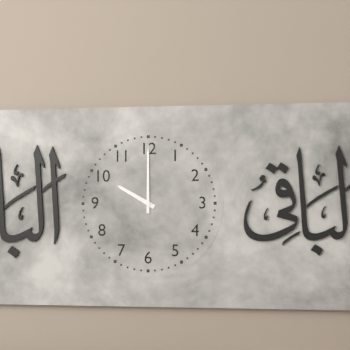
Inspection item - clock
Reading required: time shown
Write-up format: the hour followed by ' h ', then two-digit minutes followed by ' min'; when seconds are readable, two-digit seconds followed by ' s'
10 h 00 min
